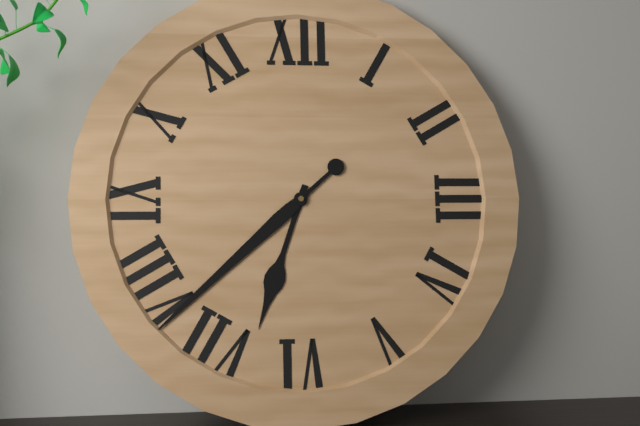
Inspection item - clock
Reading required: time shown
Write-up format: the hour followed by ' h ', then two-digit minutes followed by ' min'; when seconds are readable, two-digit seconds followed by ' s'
6 h 38 min
